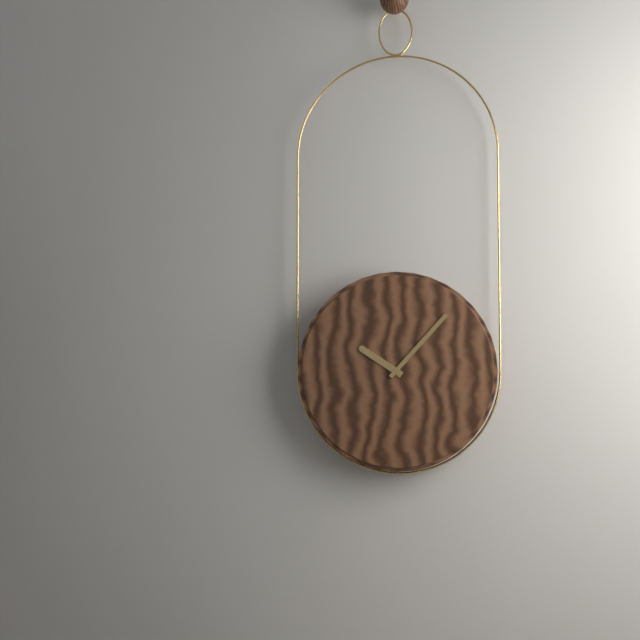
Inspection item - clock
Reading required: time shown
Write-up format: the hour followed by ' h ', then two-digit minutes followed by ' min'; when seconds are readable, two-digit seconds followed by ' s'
10 h 07 min
